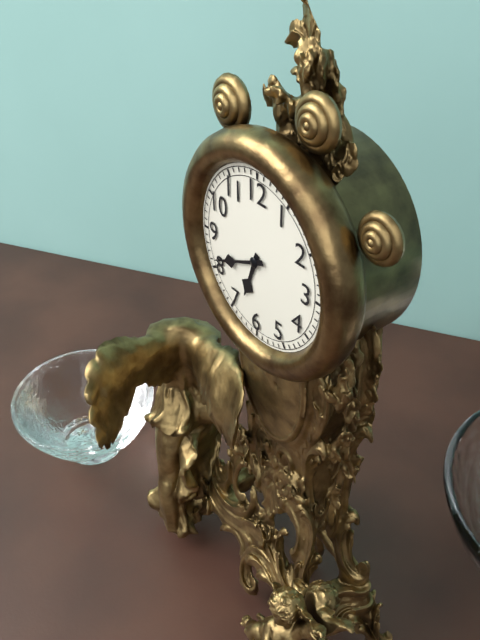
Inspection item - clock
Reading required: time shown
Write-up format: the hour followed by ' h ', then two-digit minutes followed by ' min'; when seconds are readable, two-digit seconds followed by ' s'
6 h 41 min
